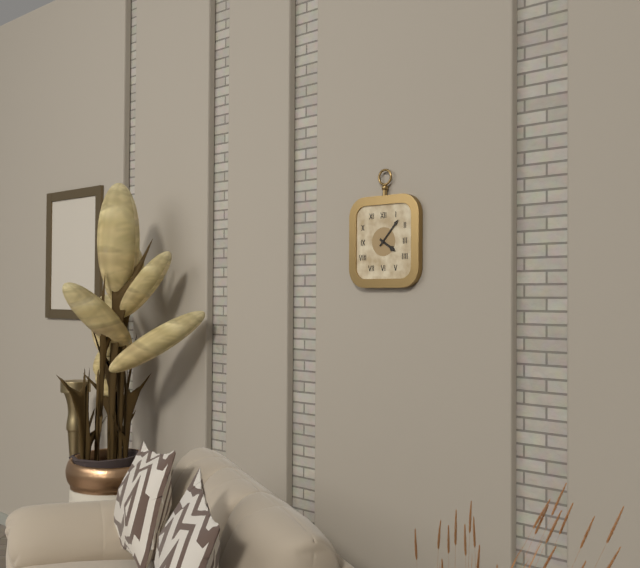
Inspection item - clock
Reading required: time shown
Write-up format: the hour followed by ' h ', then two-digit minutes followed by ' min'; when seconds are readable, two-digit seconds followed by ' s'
4 h 07 min
